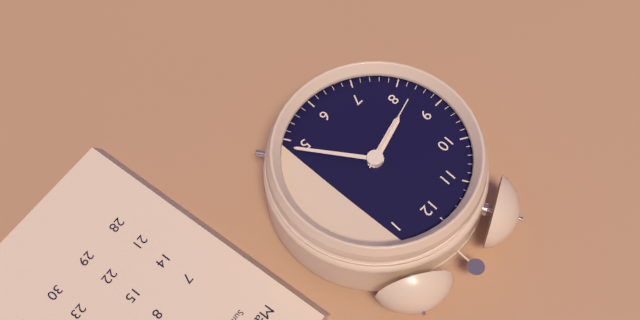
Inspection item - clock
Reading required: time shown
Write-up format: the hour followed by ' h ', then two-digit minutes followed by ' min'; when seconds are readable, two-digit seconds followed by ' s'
8 h 24 min 42 s
